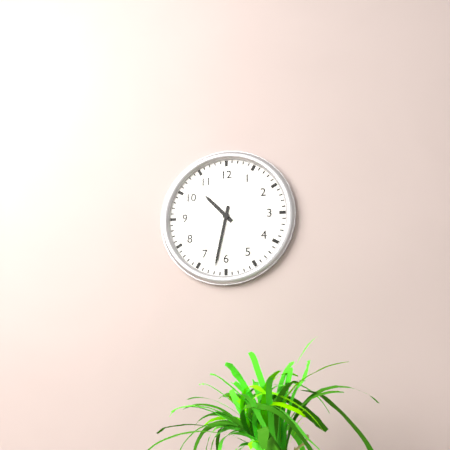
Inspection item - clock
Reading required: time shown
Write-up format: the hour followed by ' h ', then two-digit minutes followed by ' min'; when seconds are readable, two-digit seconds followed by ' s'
10 h 32 min
